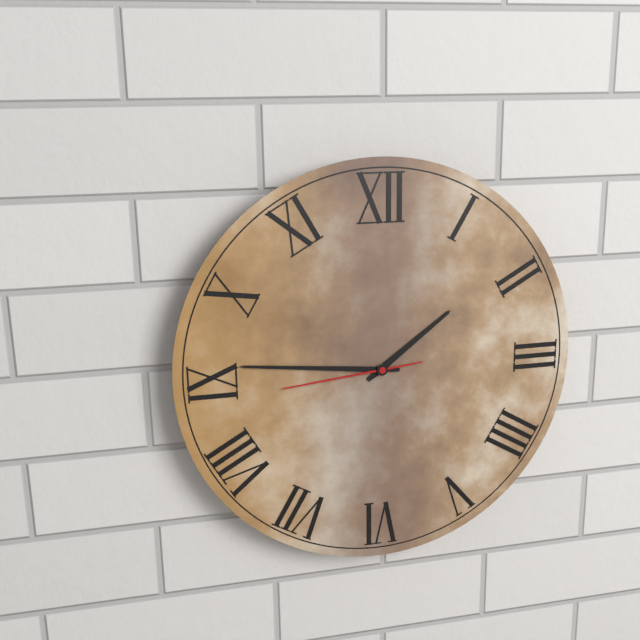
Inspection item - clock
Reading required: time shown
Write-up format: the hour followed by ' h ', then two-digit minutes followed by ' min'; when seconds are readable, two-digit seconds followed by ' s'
1 h 46 min 44 s
